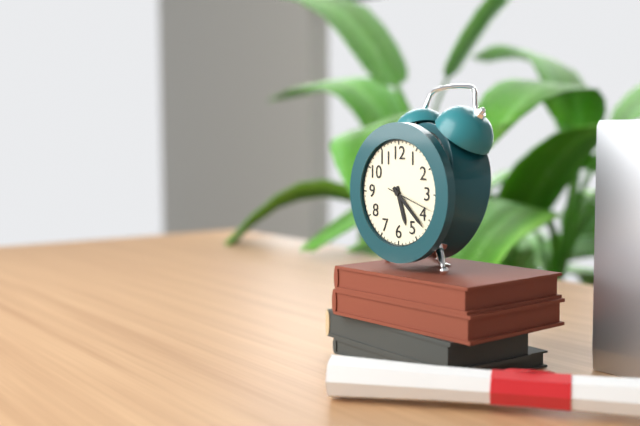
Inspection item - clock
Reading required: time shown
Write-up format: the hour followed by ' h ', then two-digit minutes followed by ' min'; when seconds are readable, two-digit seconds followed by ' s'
5 h 22 min
